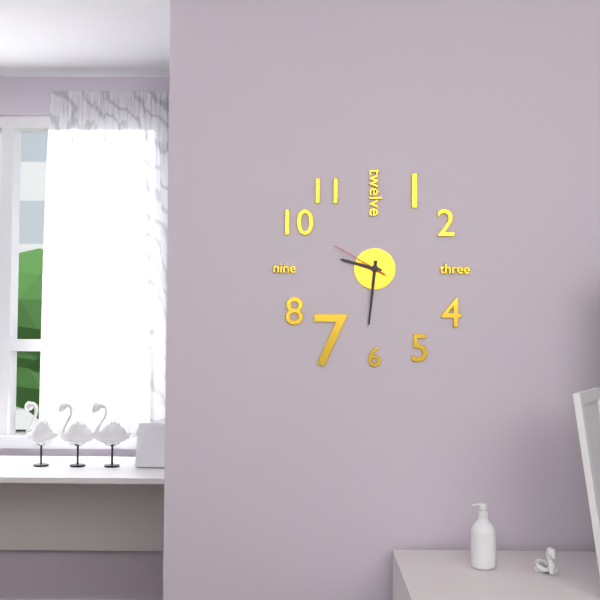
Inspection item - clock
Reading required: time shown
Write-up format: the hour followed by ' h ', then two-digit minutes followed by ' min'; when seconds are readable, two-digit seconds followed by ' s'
9 h 31 min 50 s
